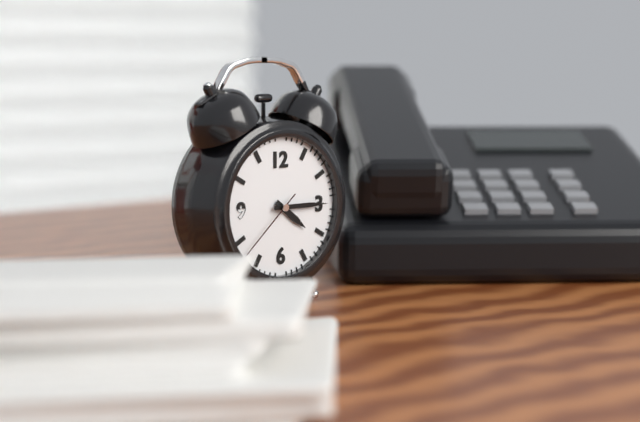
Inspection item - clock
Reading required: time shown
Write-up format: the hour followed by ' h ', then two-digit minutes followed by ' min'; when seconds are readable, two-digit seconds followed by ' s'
4 h 15 min 38 s
